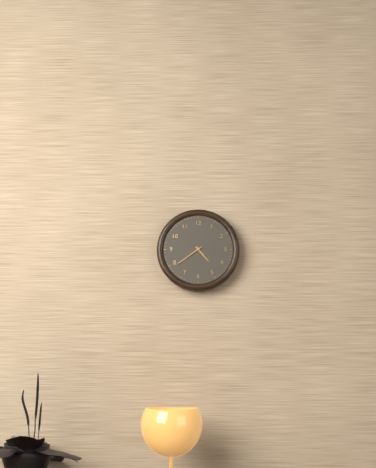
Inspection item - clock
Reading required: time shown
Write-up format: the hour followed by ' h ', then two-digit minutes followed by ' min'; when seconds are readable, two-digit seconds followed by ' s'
4 h 39 min
